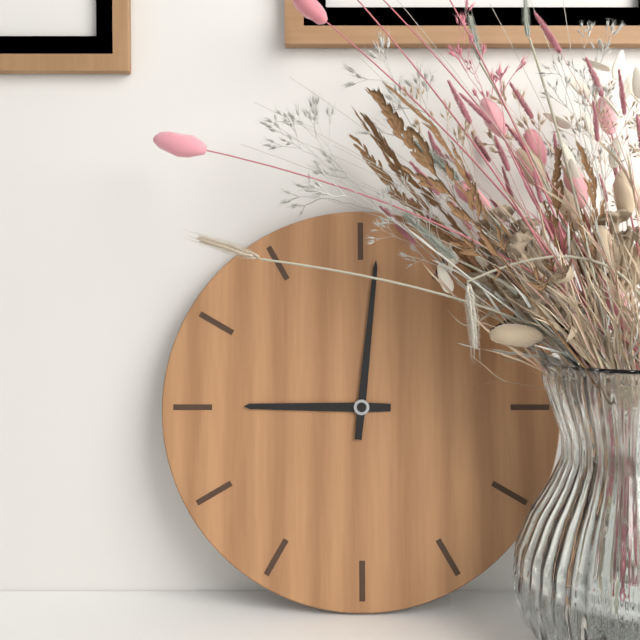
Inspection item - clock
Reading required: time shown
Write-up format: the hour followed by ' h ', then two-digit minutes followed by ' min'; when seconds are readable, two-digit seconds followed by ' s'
9 h 01 min
